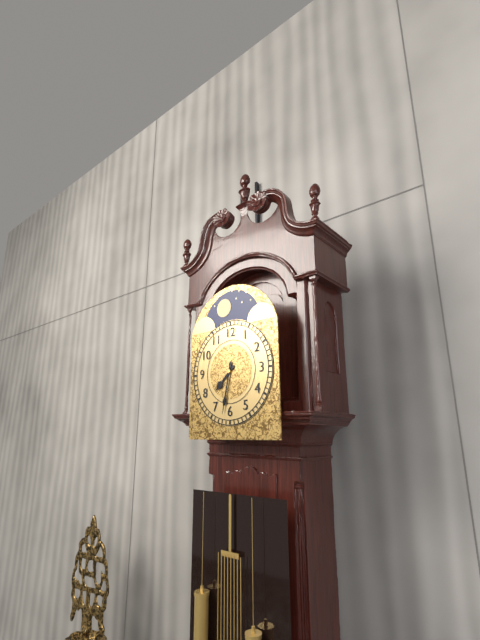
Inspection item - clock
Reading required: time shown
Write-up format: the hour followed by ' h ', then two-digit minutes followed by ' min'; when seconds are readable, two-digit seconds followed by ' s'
7 h 32 min
